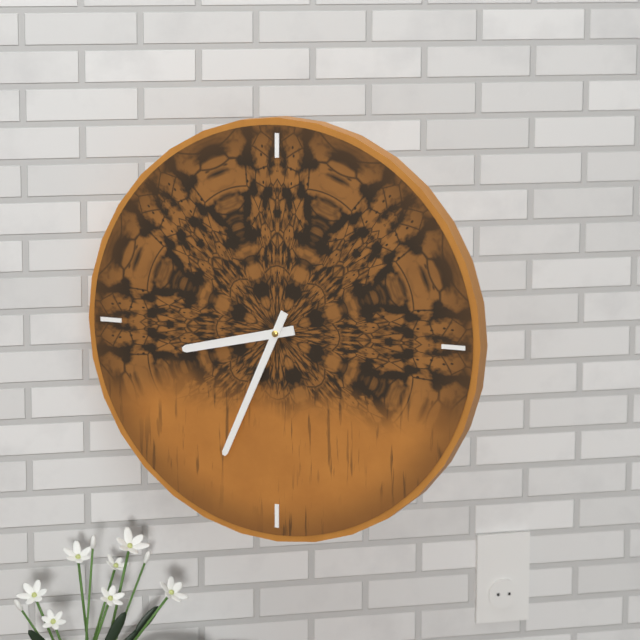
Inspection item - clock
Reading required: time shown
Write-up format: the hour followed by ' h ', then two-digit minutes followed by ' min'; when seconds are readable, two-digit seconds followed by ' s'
8 h 34 min
